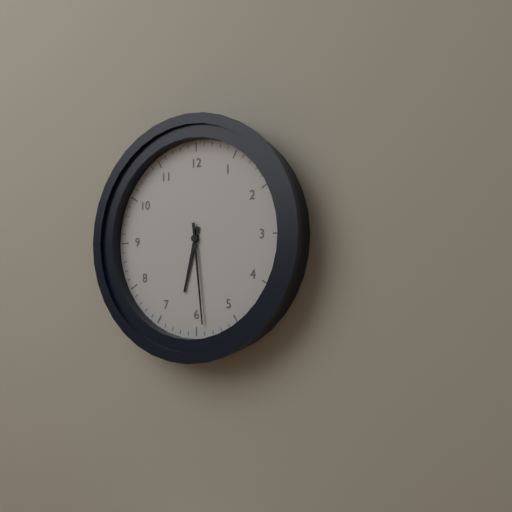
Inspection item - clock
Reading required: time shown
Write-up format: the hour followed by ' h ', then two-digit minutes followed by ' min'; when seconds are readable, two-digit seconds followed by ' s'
6 h 29 min
